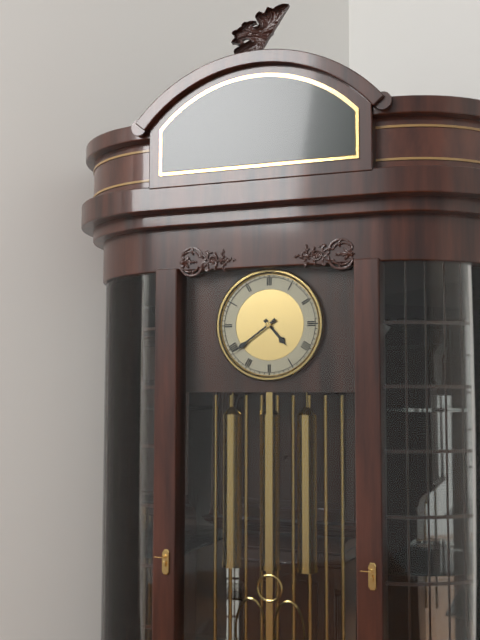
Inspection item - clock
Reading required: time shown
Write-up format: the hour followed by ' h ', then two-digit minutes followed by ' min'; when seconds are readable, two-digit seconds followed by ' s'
4 h 39 min
